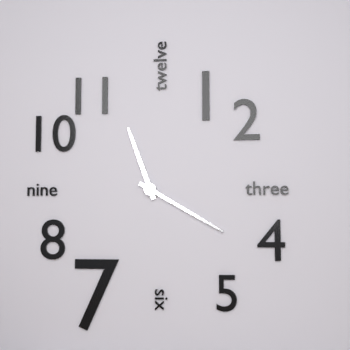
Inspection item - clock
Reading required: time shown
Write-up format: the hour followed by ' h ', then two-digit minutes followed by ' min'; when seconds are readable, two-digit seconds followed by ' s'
11 h 20 min
